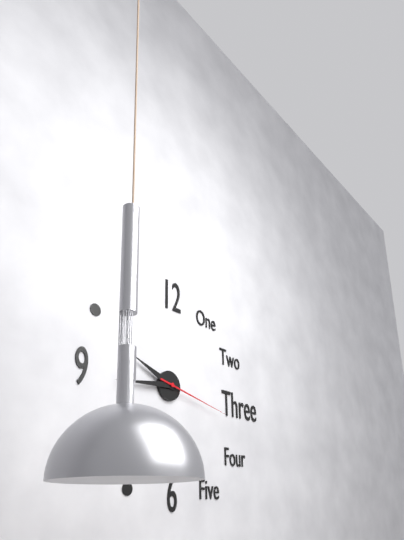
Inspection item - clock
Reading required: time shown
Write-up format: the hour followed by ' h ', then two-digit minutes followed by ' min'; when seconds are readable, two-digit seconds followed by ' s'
9 h 44 min 17 s
